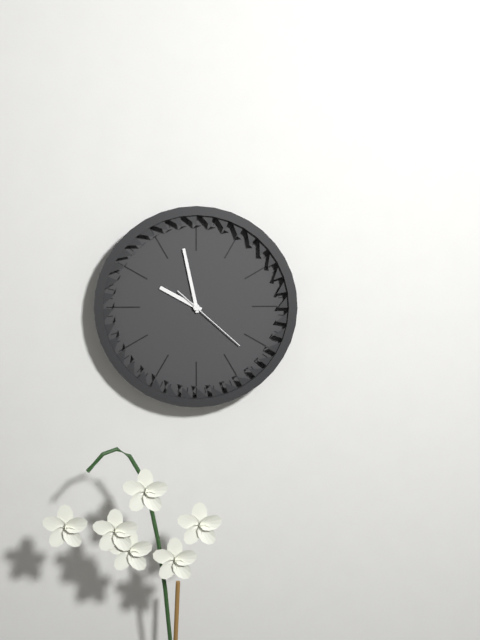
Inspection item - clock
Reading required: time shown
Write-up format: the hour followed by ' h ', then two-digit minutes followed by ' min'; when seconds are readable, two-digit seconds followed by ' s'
9 h 58 min 22 s
